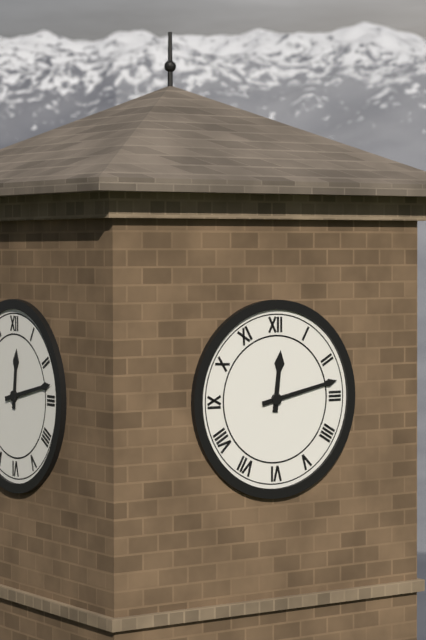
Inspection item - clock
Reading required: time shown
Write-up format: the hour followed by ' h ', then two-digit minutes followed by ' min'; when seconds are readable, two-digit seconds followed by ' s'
12 h 13 min
